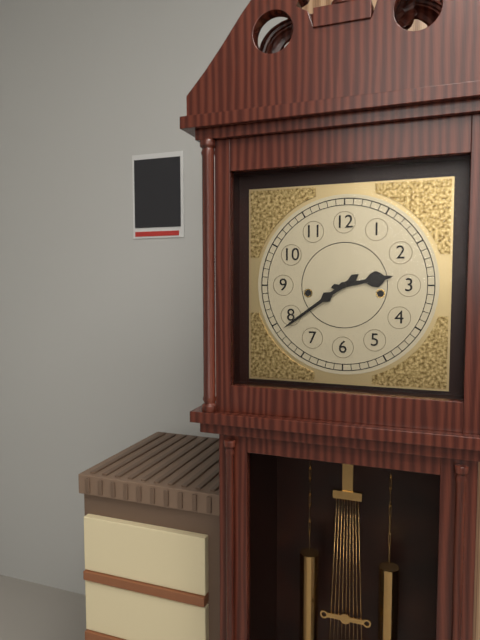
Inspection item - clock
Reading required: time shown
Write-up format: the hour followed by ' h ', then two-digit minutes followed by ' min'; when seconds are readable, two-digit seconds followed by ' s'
2 h 39 min
